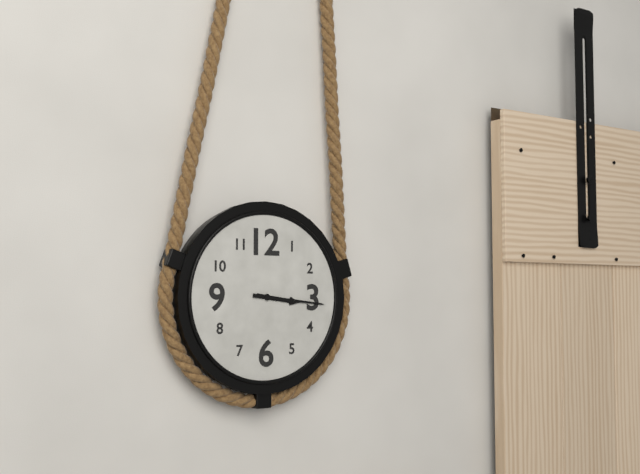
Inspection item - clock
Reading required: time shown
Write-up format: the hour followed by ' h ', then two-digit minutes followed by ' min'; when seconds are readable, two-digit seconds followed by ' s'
3 h 16 min
